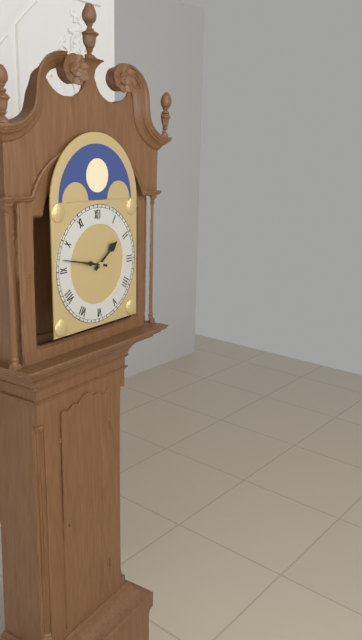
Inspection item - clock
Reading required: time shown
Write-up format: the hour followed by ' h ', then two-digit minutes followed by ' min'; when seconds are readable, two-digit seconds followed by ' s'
1 h 47 min
